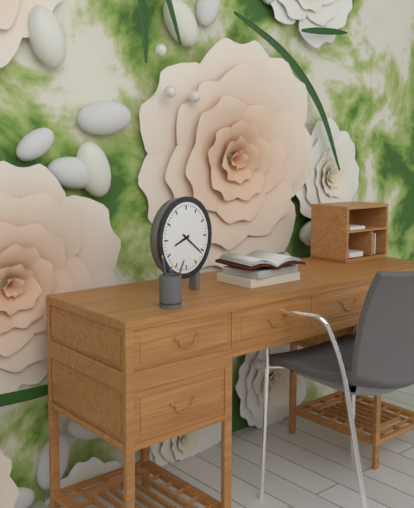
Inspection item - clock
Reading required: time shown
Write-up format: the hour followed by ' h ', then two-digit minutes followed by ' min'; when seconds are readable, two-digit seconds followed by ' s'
8 h 21 min
